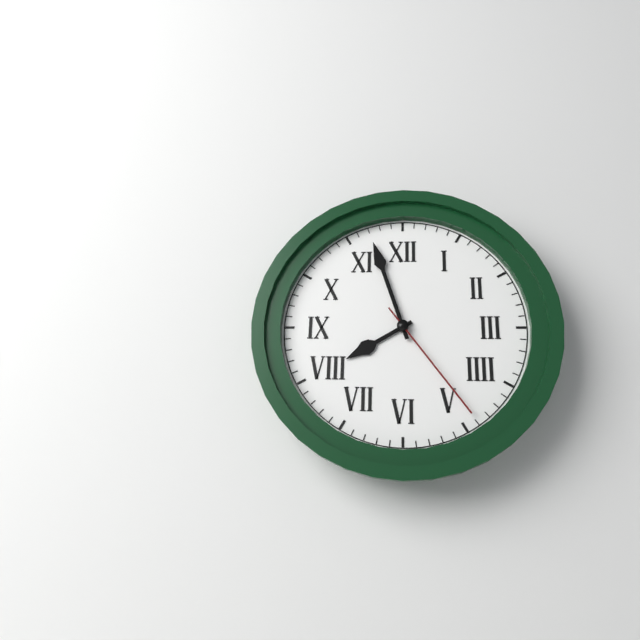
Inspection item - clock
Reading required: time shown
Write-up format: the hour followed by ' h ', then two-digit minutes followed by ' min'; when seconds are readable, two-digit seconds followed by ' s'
7 h 57 min 24 s
